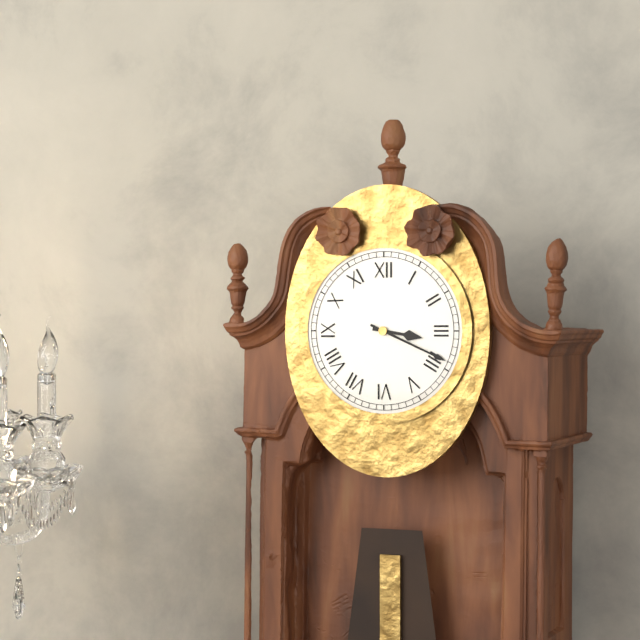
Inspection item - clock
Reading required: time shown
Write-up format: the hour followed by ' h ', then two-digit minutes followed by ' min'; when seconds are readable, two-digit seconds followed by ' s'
3 h 19 min
